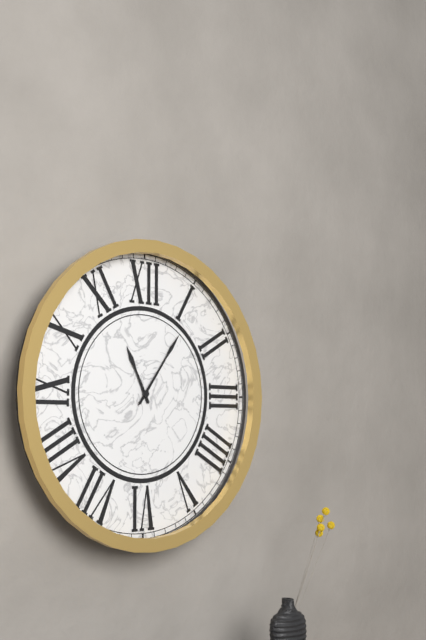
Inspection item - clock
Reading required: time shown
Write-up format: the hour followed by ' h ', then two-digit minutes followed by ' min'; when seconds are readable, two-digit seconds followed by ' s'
11 h 06 min
